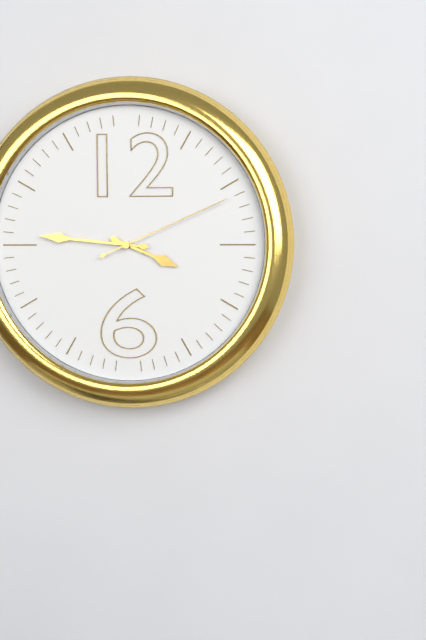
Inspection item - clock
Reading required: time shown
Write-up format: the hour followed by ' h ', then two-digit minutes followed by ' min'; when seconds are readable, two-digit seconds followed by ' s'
3 h 46 min 11 s
